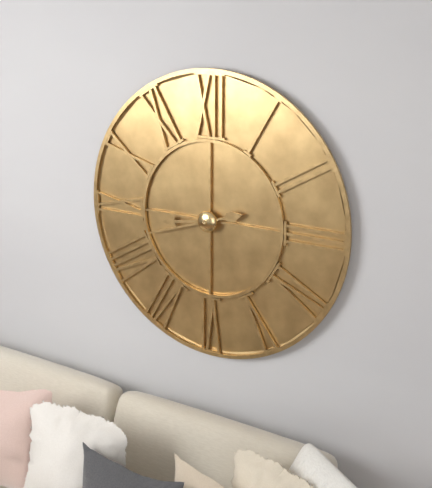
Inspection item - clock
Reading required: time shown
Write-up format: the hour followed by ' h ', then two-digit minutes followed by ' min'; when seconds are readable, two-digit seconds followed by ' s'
8 h 42 min
